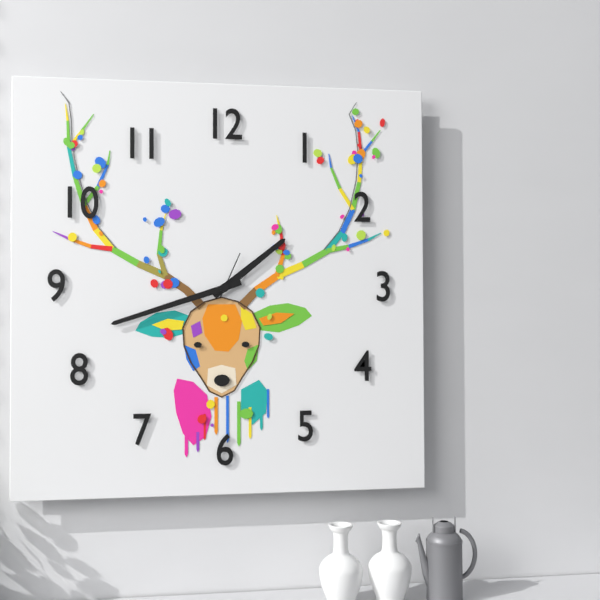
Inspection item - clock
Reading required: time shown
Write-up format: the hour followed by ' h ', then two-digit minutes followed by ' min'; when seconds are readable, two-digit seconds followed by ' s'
1 h 42 min
